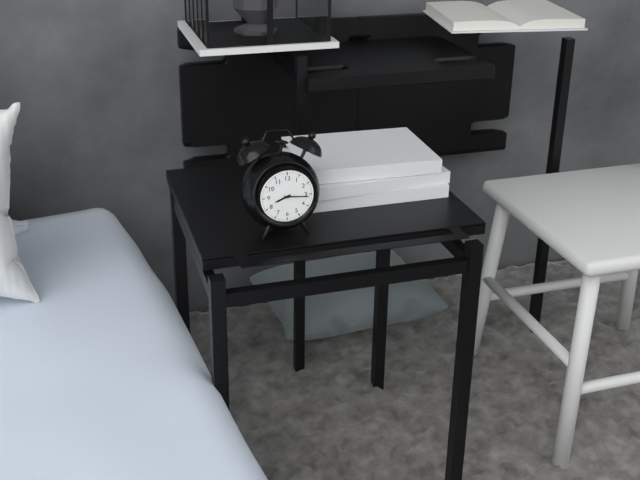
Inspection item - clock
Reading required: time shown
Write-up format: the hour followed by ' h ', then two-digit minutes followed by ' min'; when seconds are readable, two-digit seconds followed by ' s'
8 h 16 min
